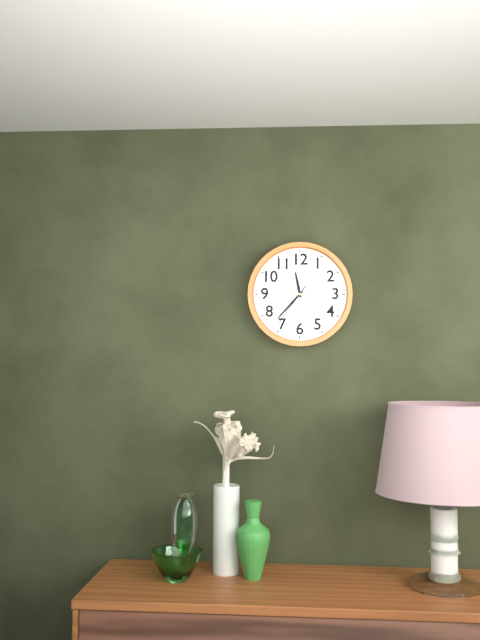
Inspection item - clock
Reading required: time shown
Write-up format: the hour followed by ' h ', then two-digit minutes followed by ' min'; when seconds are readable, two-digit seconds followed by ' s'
11 h 37 min
